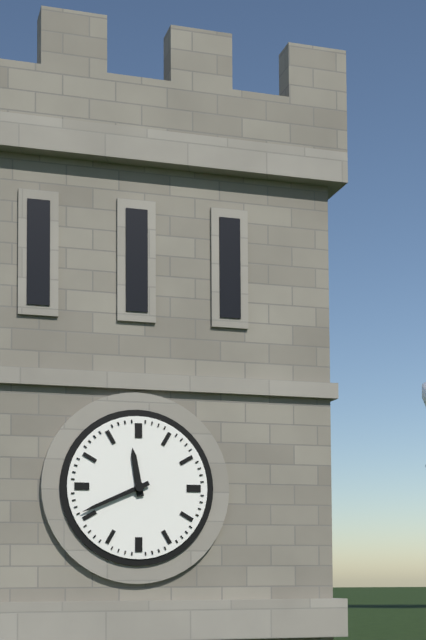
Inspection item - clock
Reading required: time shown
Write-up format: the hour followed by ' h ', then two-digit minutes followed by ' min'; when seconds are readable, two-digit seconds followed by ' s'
11 h 41 min
